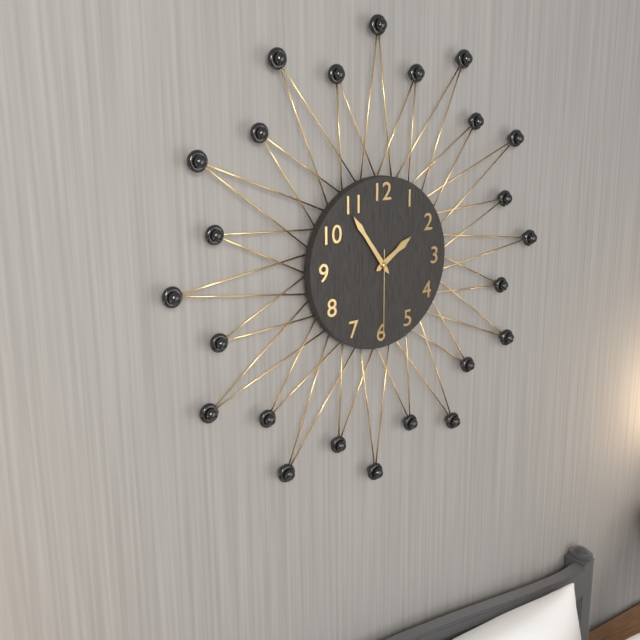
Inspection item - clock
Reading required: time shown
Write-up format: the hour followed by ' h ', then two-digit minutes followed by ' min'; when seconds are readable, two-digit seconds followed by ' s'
1 h 54 min 30 s
